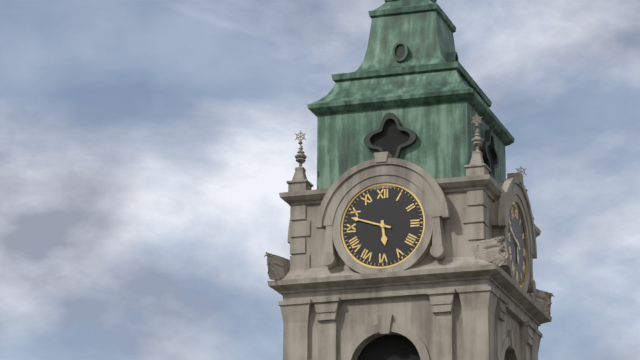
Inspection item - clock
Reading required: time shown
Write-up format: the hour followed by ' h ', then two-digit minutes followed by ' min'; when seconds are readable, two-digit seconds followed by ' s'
5 h 48 min
